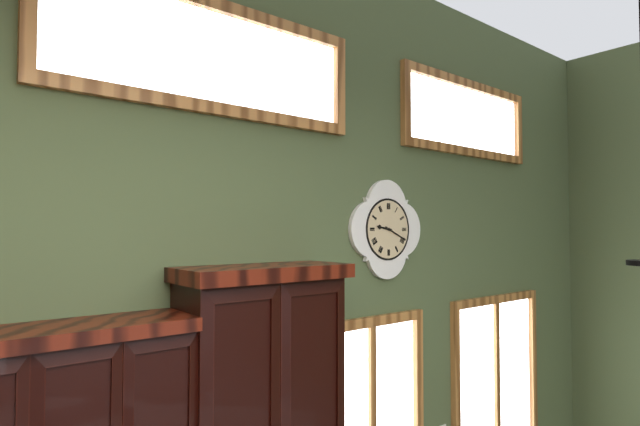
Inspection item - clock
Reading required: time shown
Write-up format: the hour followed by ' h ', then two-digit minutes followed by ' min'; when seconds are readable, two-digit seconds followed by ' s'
9 h 19 min
